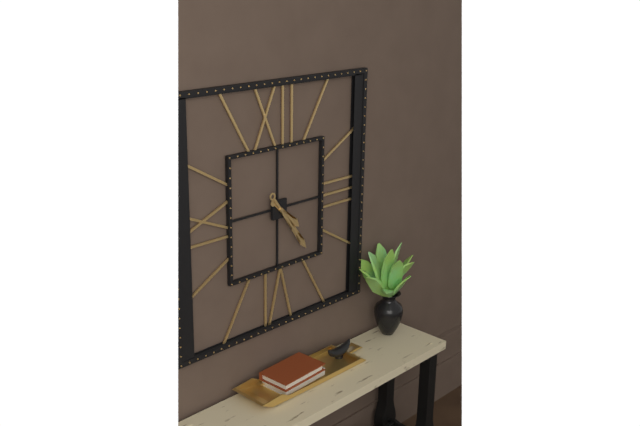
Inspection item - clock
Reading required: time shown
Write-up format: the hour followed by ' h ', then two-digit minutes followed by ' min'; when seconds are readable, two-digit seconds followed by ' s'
4 h 24 min
